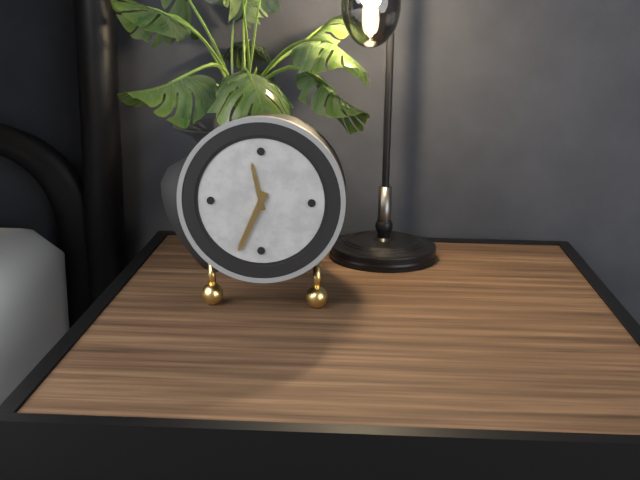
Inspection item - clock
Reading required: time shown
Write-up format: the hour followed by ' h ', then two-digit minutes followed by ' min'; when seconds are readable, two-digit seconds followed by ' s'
11 h 34 min
